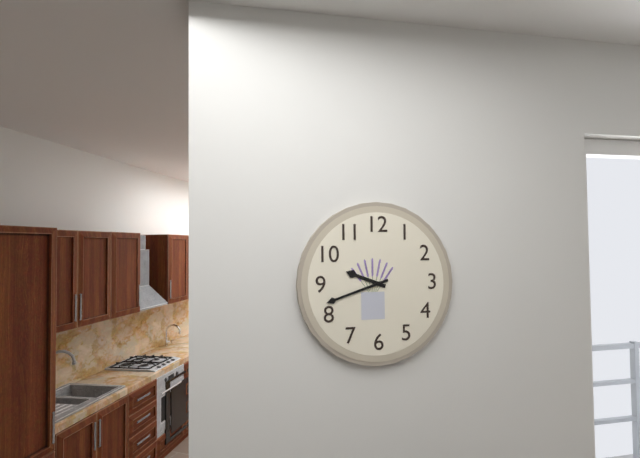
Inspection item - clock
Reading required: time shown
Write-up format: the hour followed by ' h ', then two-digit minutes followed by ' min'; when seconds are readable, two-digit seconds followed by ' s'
9 h 42 min
